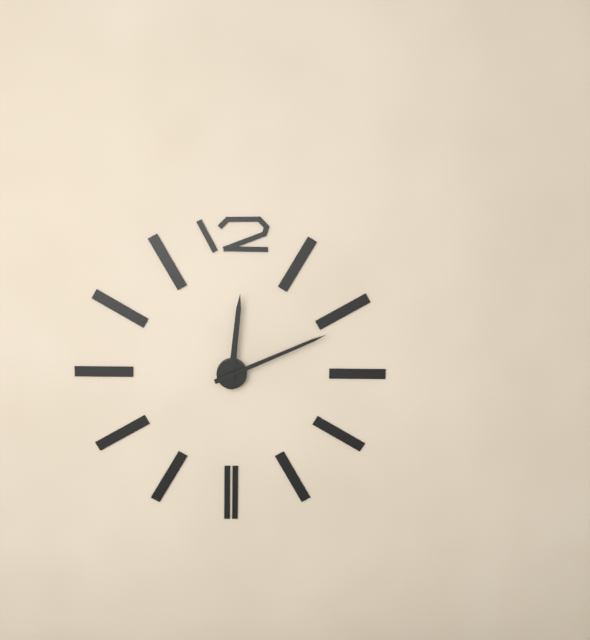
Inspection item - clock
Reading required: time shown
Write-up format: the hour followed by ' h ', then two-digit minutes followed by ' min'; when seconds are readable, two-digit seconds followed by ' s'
12 h 11 min
